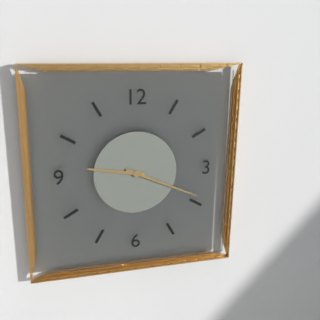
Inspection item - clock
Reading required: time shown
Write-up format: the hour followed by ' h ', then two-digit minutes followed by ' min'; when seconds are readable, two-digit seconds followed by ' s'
9 h 19 min
